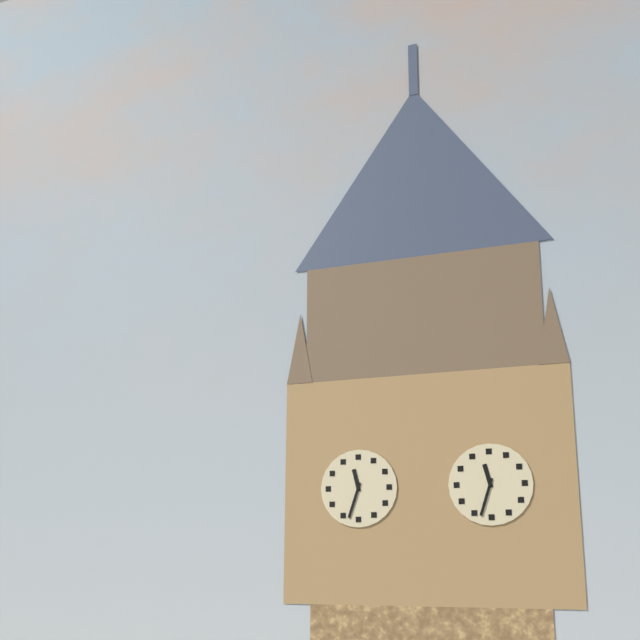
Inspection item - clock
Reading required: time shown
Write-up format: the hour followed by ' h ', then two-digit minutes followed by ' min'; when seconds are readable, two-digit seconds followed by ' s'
11 h 33 min
